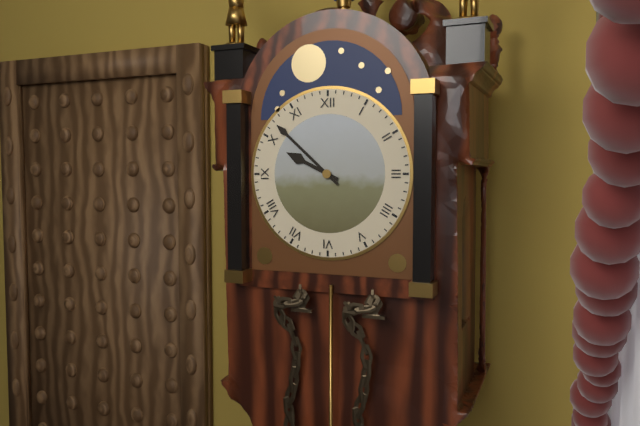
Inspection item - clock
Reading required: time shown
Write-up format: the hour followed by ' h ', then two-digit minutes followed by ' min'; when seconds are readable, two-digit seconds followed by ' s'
9 h 52 min
